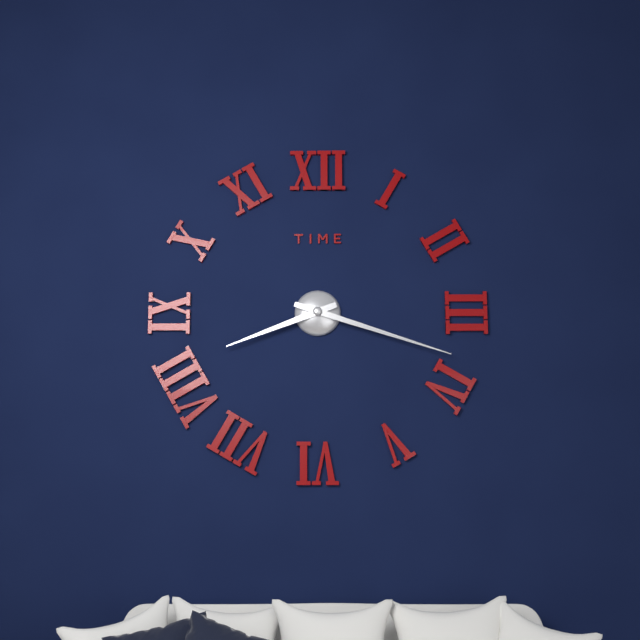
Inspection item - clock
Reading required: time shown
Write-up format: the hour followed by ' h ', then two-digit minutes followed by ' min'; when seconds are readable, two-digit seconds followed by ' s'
8 h 18 min
